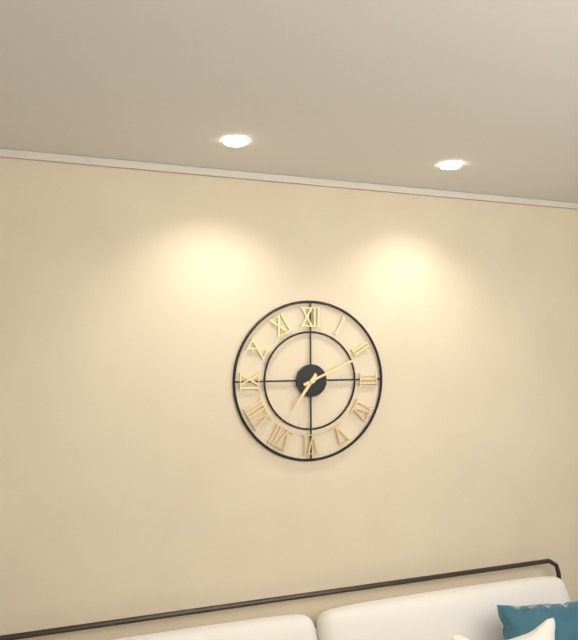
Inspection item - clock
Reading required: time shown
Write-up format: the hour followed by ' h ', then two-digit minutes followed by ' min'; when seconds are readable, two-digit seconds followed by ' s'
7 h 11 min
